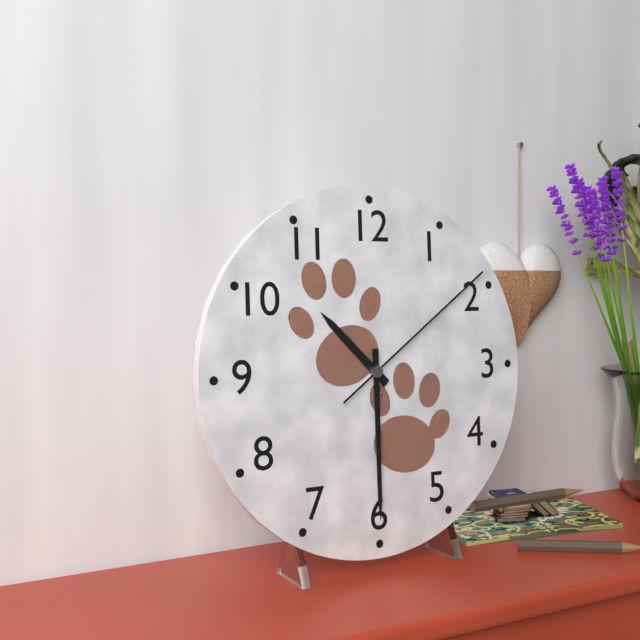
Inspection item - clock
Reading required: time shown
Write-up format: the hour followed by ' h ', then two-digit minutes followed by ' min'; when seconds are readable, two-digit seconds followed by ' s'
10 h 30 min 09 s
